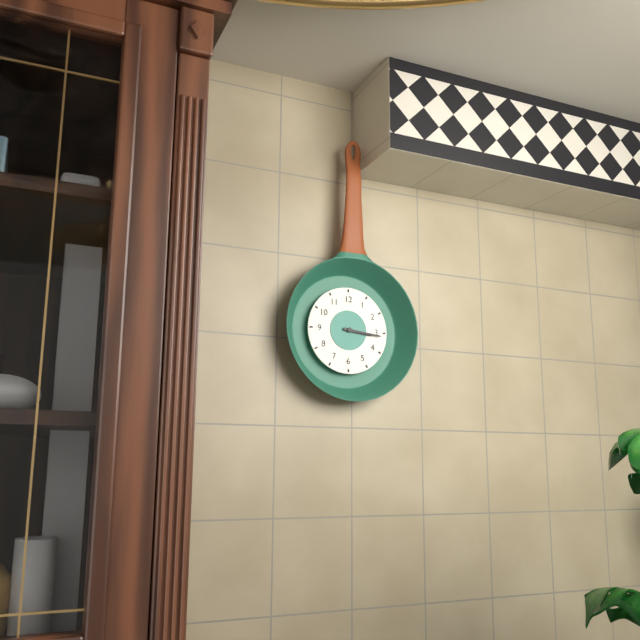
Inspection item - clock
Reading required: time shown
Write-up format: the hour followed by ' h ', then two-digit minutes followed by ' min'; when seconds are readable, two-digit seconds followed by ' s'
3 h 16 min
